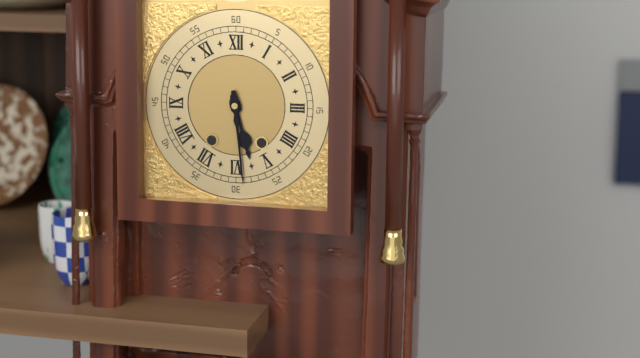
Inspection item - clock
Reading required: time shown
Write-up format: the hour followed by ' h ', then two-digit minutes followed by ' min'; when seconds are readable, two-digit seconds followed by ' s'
5 h 29 min
